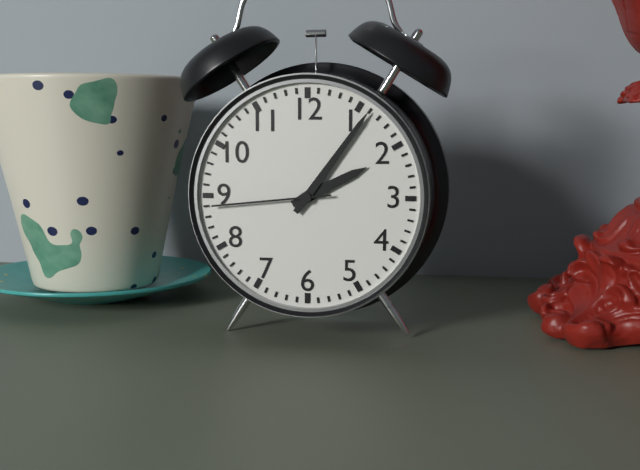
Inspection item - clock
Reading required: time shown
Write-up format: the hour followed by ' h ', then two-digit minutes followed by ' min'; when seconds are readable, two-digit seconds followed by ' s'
2 h 06 min 44 s
